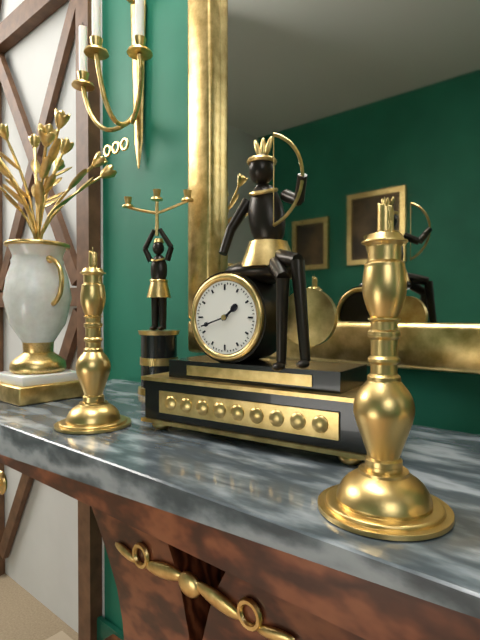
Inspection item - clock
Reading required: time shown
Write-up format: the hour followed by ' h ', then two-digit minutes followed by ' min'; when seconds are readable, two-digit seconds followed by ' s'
1 h 42 min
